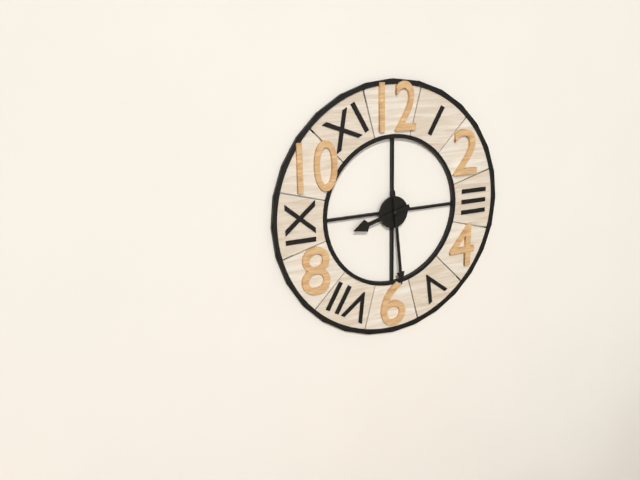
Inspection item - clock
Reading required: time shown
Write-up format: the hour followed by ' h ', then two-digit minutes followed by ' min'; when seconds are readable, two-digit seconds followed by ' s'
8 h 29 min
